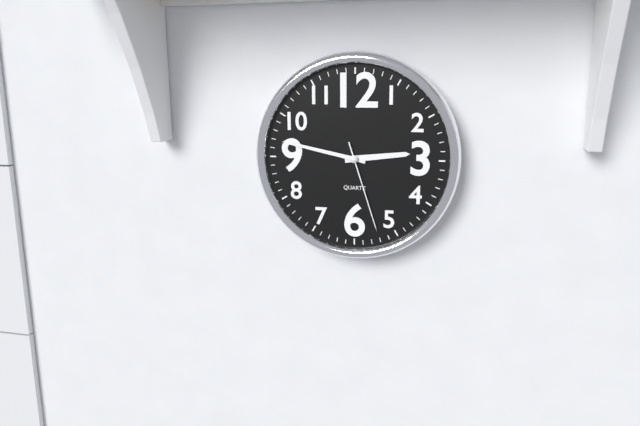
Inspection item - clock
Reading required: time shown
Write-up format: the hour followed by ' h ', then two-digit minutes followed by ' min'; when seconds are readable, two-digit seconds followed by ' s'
2 h 47 min 27 s
